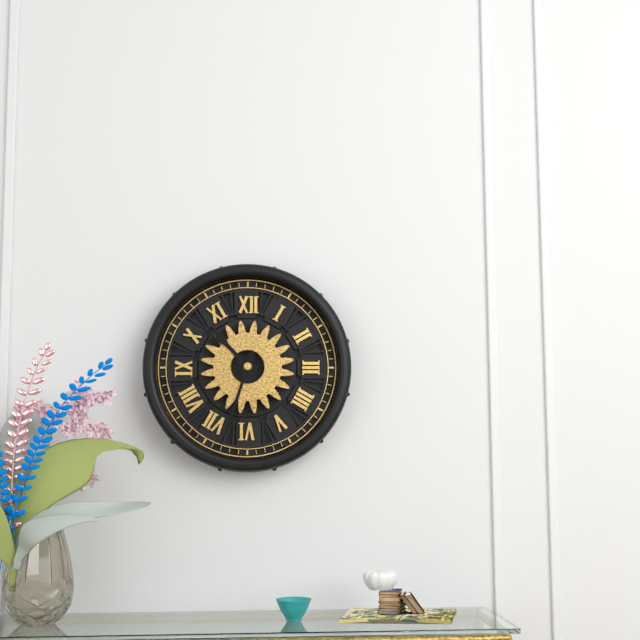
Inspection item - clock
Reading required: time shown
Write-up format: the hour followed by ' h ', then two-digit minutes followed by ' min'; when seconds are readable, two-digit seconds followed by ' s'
10 h 33 min
